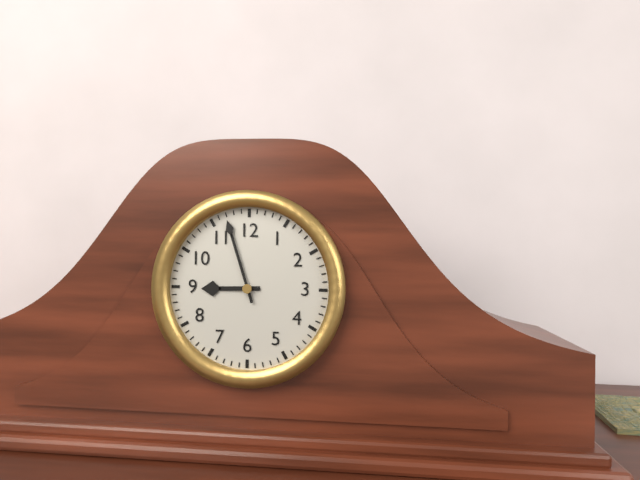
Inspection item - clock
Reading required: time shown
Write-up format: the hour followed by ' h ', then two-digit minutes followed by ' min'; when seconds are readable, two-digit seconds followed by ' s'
8 h 57 min
